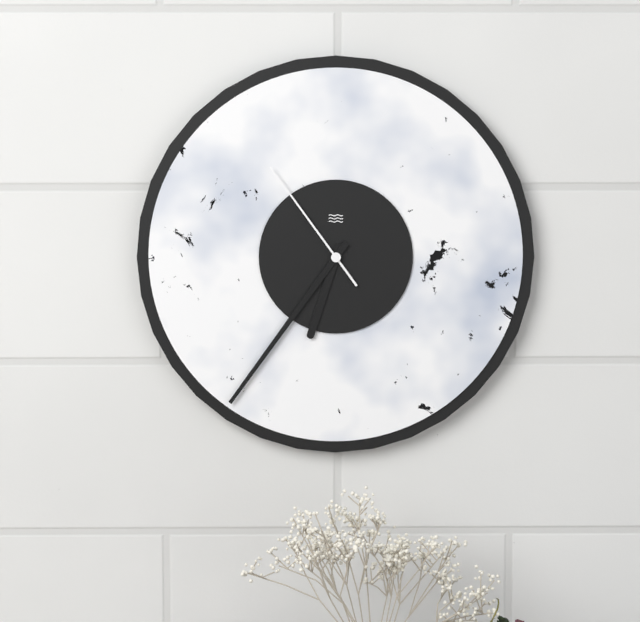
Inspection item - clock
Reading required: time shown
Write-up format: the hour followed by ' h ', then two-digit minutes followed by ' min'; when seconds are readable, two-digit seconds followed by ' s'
6 h 36 min 54 s
